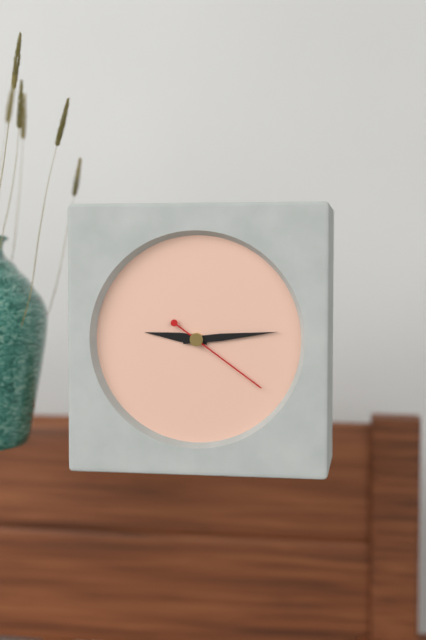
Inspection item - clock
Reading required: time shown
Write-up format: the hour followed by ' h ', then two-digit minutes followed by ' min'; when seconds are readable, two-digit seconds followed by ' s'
9 h 14 min 21 s
